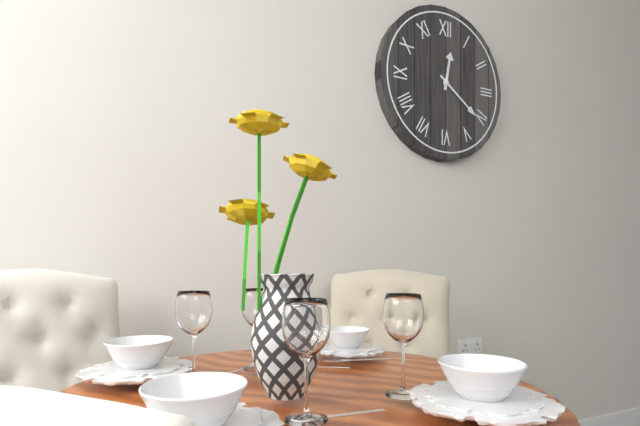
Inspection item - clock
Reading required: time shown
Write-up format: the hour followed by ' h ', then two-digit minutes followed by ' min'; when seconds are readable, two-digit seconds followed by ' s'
12 h 21 min
